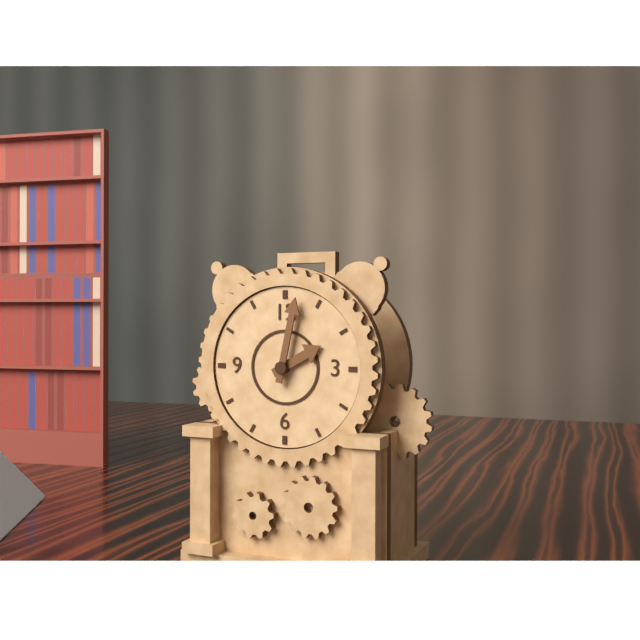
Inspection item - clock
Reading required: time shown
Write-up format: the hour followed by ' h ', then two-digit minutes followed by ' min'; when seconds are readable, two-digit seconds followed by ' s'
2 h 02 min
